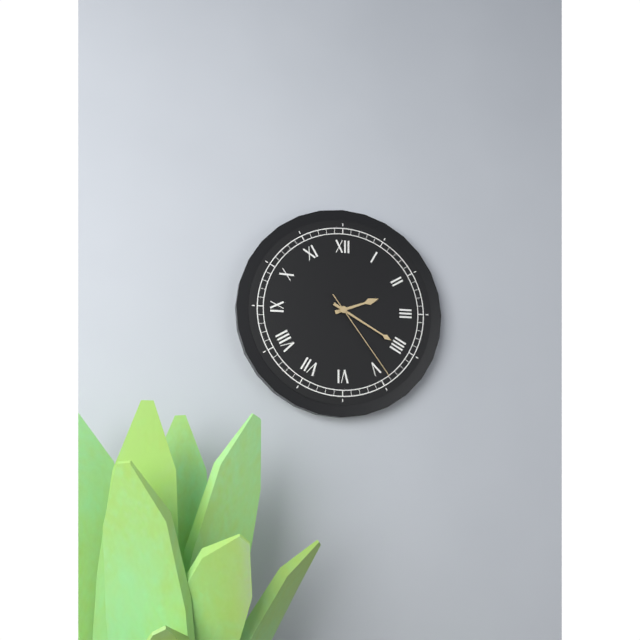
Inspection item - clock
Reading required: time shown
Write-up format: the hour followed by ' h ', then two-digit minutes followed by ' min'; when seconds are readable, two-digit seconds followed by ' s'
2 h 20 min 24 s
